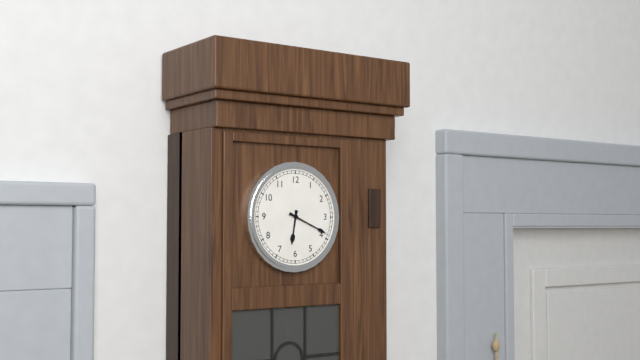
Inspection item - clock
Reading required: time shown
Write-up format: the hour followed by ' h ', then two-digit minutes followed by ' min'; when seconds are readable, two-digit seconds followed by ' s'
6 h 19 min
